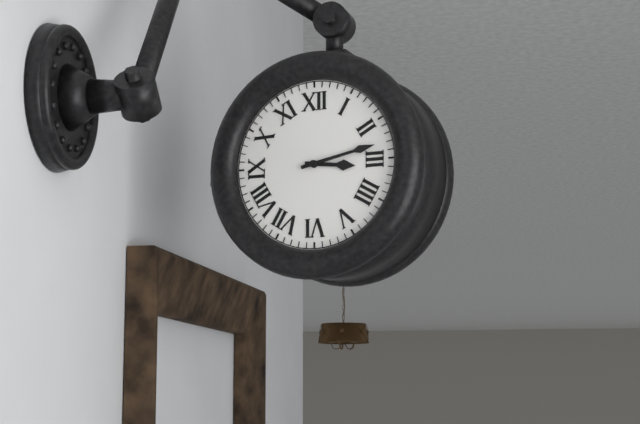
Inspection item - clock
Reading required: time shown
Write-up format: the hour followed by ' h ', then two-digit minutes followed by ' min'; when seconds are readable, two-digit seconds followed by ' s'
3 h 13 min
